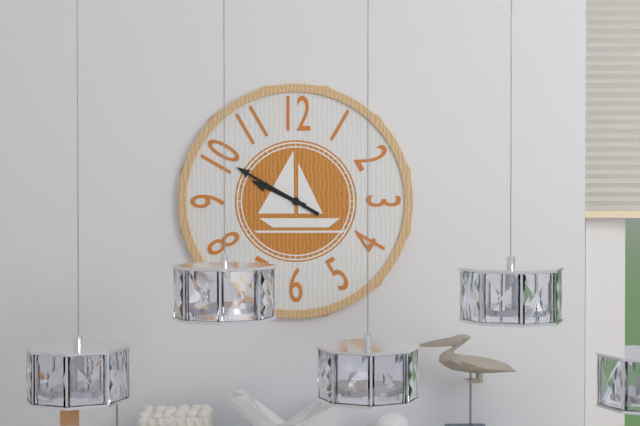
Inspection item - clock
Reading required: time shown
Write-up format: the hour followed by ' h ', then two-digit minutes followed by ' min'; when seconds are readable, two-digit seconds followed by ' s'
9 h 50 min
